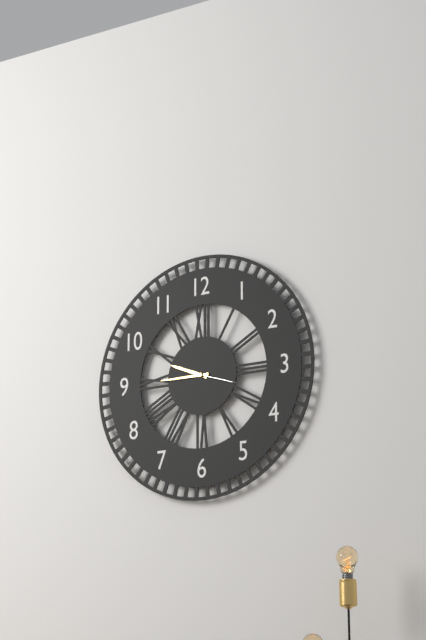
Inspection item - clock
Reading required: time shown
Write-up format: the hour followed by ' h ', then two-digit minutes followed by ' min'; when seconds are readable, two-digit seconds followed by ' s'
9 h 45 min
